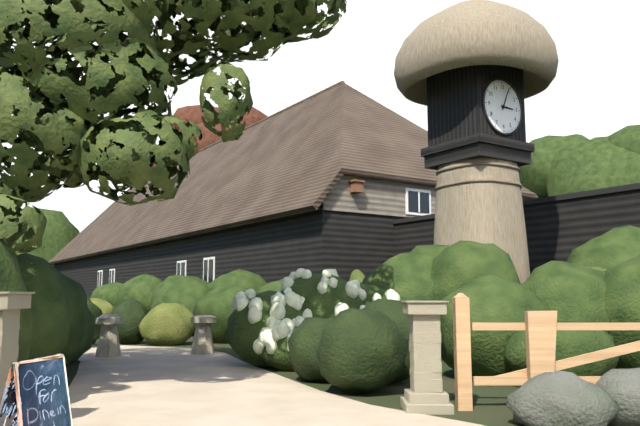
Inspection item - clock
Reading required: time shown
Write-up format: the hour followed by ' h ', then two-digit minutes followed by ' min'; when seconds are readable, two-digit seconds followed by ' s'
3 h 04 min
